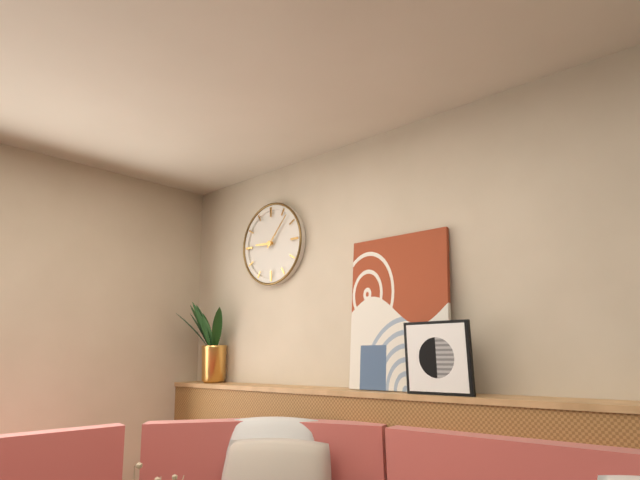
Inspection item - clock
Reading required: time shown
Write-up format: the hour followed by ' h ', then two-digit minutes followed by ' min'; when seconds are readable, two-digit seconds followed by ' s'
9 h 07 min
